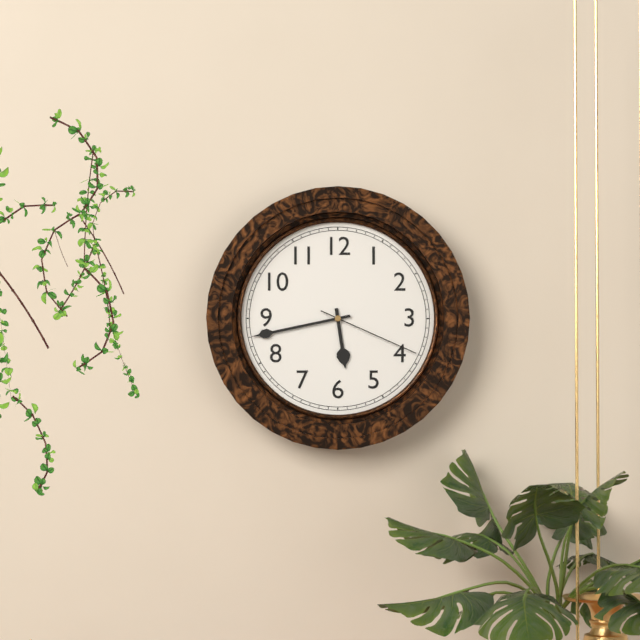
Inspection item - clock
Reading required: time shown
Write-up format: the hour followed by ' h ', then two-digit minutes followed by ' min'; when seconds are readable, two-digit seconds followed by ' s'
5 h 43 min 19 s
